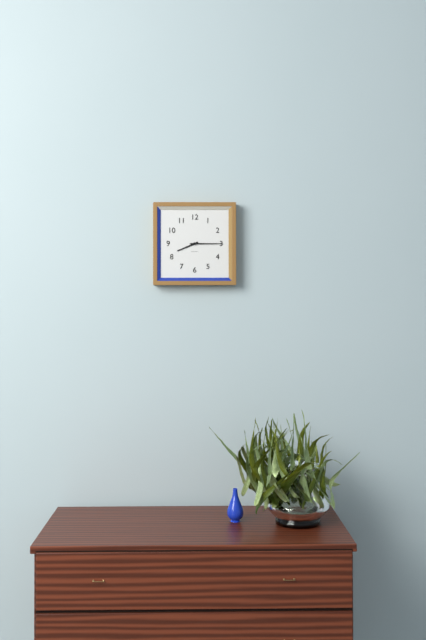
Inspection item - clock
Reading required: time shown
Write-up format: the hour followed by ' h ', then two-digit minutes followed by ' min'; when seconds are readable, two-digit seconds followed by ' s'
8 h 15 min
